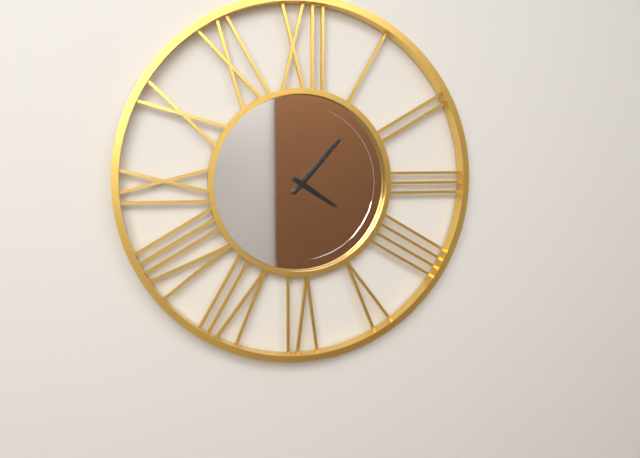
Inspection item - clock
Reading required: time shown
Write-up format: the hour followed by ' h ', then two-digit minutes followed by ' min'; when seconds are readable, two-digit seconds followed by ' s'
4 h 07 min
